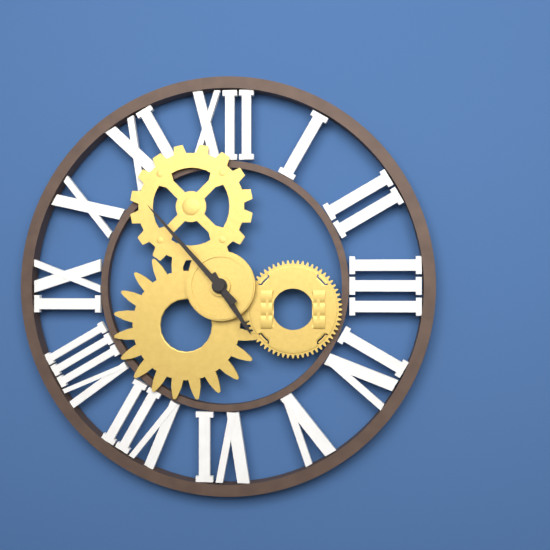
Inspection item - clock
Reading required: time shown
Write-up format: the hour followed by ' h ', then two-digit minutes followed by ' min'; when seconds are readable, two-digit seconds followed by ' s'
4 h 53 min
